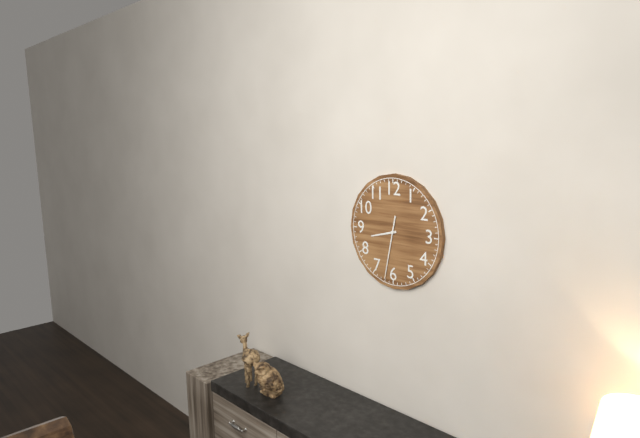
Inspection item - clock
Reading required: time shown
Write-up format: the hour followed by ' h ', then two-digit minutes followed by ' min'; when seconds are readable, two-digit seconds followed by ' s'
8 h 32 min
